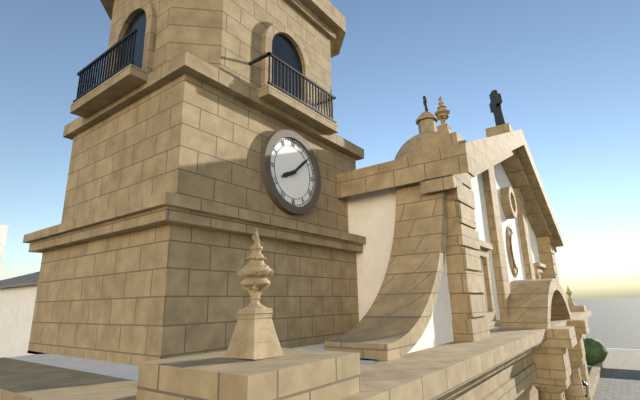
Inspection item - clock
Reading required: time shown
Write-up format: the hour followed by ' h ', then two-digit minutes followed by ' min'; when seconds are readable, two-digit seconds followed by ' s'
8 h 08 min
